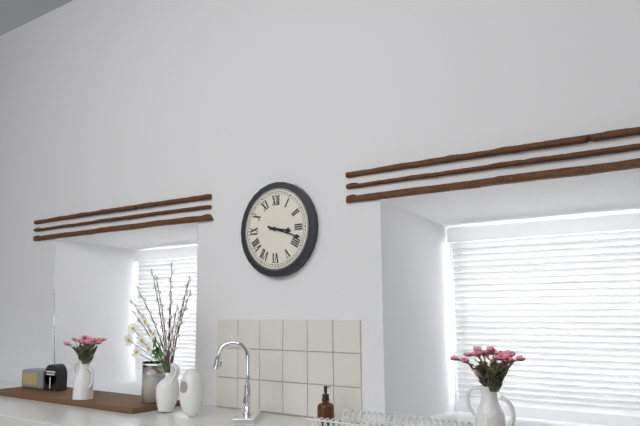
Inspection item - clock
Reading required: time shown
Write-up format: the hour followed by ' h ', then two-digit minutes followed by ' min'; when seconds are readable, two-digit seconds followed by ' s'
3 h 18 min
